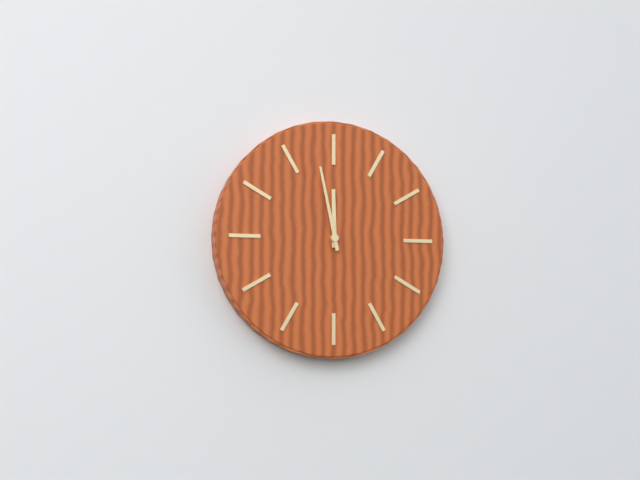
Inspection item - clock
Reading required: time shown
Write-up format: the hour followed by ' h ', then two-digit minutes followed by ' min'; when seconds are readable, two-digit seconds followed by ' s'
11 h 58 min
